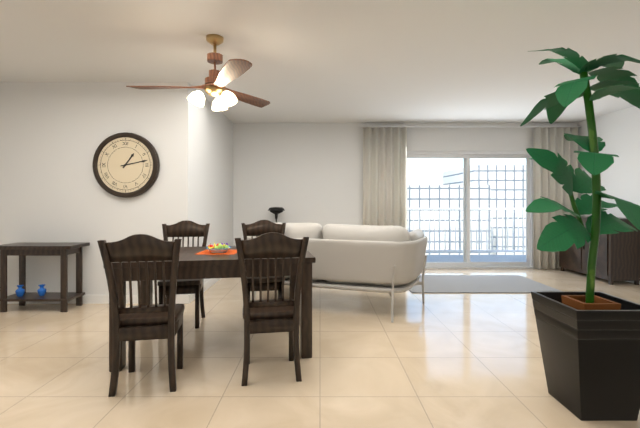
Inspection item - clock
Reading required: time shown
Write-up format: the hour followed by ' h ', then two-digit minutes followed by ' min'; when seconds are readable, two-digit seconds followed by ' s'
1 h 13 min
